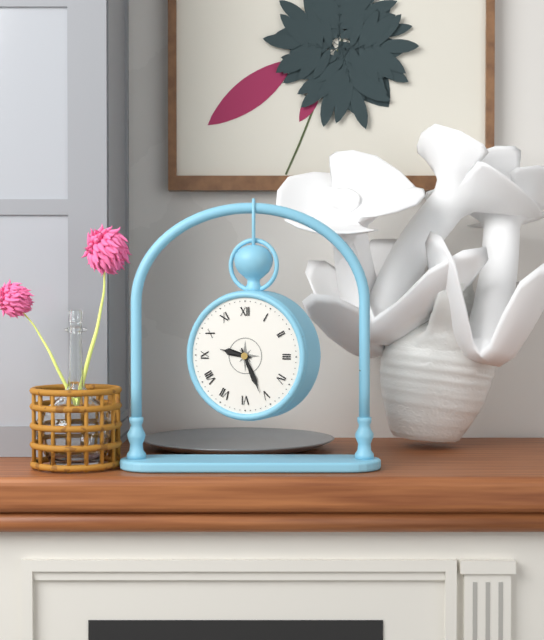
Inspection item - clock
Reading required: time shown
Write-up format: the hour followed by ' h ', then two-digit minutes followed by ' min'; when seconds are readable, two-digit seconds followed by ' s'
9 h 26 min
